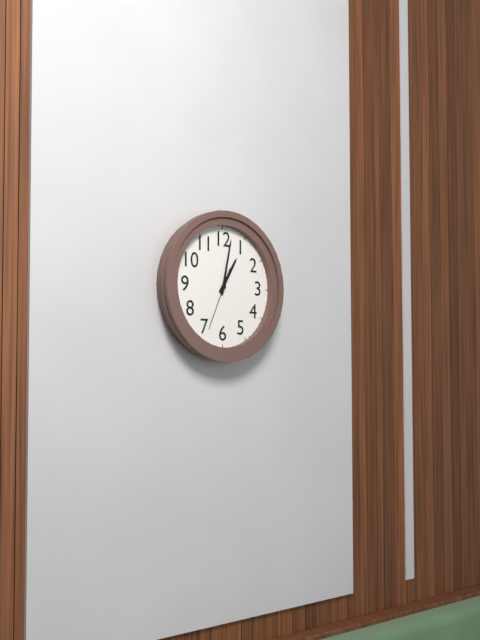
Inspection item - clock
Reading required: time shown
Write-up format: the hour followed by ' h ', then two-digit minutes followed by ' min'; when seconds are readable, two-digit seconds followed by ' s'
1 h 02 min 34 s
